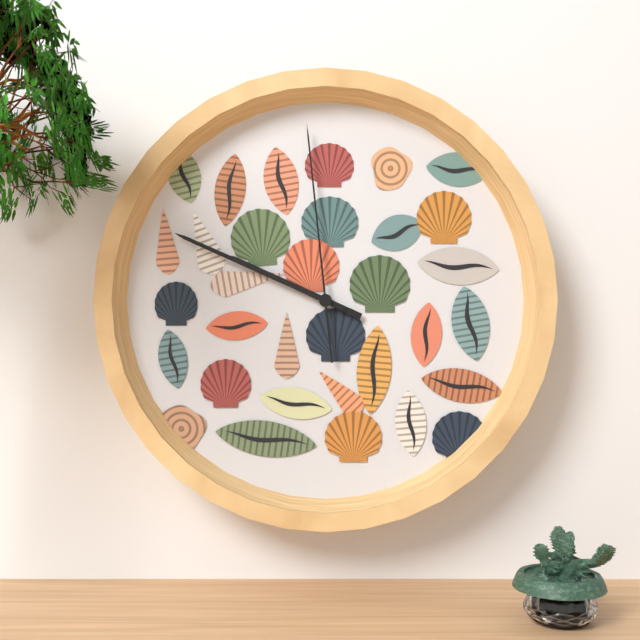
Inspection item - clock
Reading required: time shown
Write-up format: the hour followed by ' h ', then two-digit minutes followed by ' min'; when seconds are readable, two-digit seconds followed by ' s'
9 h 49 min 59 s
